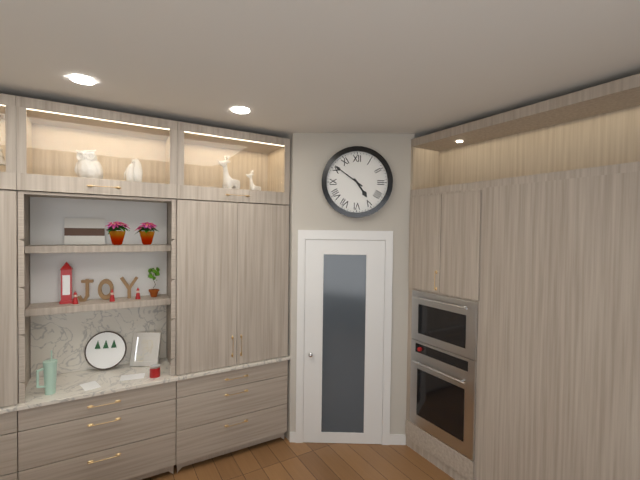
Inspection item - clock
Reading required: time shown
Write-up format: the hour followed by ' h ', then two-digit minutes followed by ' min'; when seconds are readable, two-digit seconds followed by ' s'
4 h 51 min
